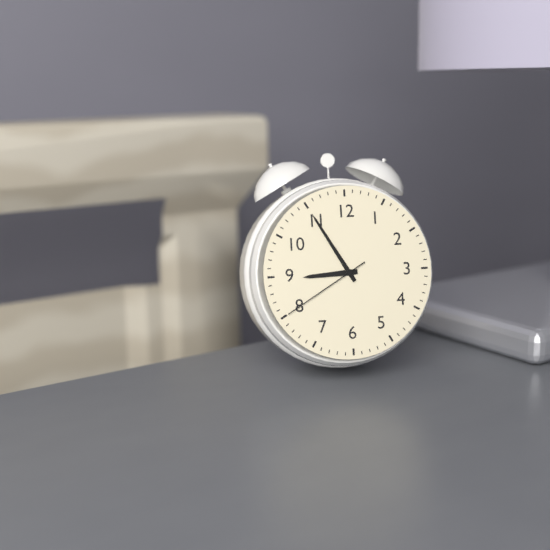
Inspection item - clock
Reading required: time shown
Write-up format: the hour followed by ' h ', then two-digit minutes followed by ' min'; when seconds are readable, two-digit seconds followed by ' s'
8 h 55 min 40 s
